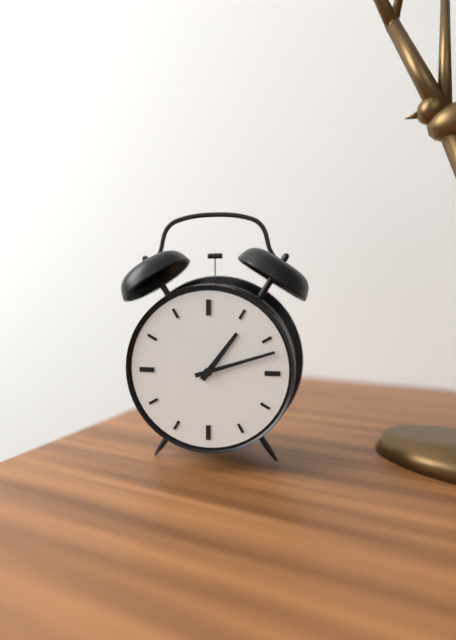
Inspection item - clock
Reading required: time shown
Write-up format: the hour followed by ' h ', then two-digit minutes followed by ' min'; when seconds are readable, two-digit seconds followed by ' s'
1 h 12 min
